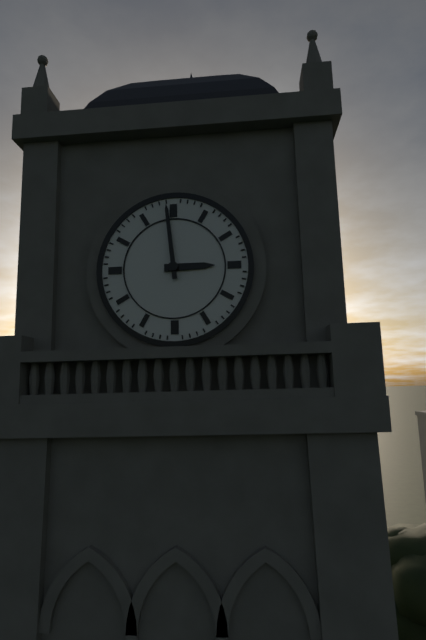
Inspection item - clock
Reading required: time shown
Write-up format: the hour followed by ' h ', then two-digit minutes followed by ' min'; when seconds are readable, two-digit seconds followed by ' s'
2 h 59 min
